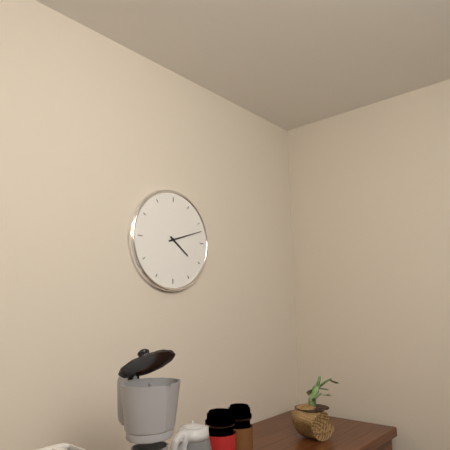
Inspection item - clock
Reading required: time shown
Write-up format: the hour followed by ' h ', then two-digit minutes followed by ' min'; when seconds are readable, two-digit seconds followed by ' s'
4 h 12 min
